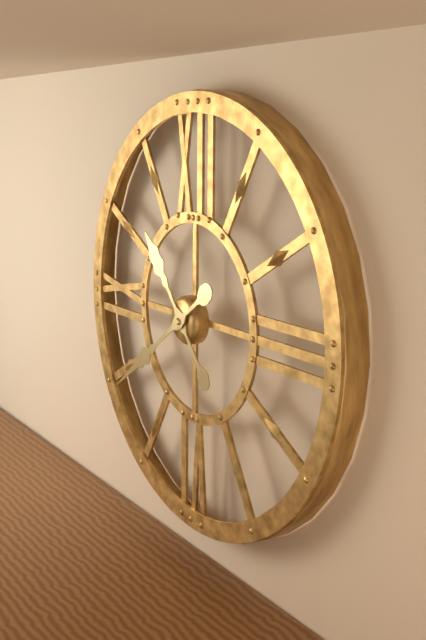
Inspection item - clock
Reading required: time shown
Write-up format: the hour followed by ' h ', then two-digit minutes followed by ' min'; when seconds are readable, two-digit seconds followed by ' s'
10 h 39 min
